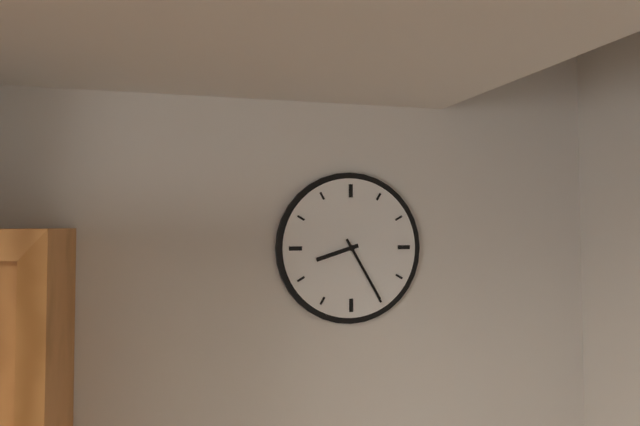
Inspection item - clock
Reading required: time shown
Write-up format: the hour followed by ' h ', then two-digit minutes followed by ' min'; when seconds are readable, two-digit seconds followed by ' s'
8 h 25 min
